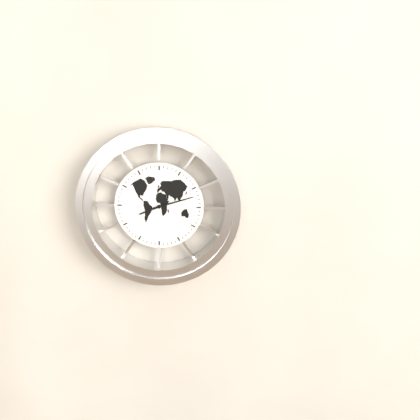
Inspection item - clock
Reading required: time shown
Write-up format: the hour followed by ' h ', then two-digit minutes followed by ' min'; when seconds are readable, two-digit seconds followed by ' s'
8 h 12 min
